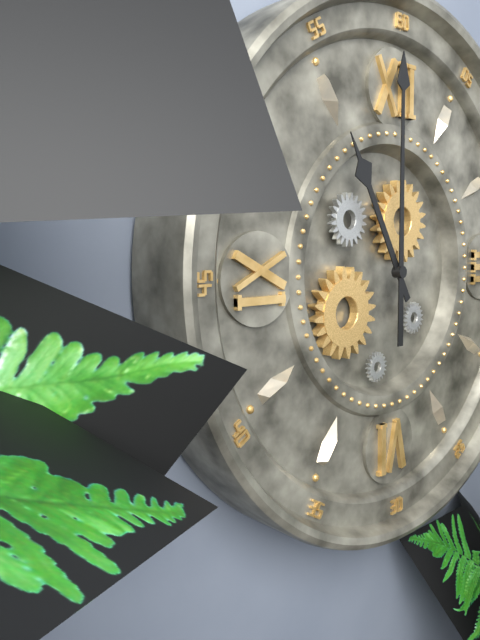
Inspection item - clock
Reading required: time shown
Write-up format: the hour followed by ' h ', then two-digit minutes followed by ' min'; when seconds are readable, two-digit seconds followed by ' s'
11 h 00 min
